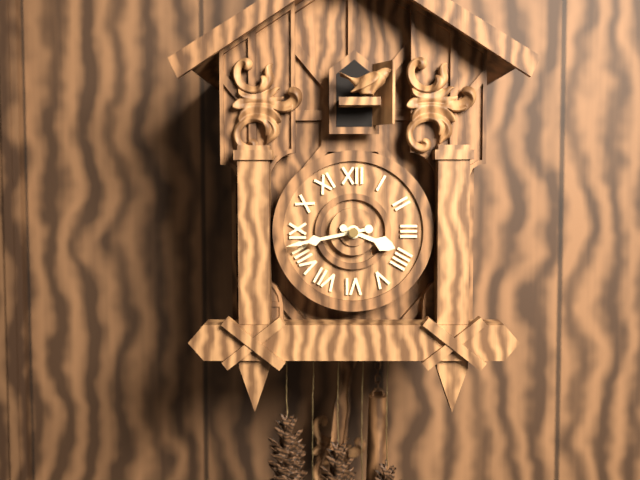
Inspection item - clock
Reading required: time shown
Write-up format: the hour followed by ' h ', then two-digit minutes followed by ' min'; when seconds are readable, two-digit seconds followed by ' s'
3 h 43 min
